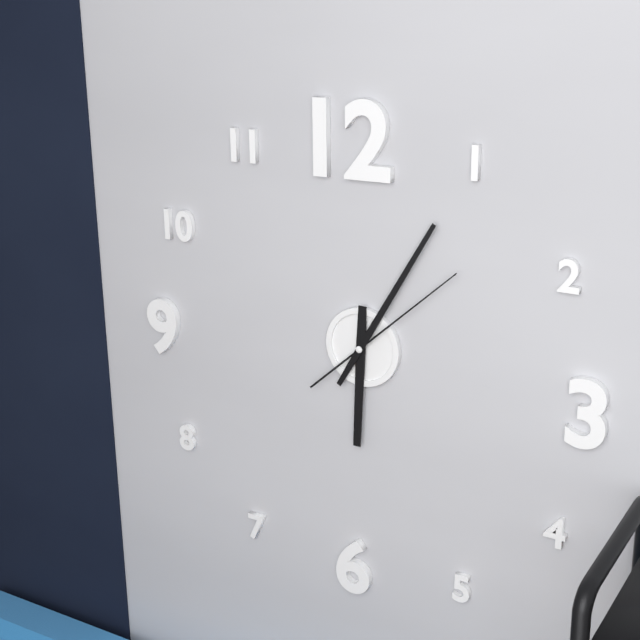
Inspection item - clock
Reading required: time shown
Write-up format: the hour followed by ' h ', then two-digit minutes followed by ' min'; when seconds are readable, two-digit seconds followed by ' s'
6 h 05 min 08 s
